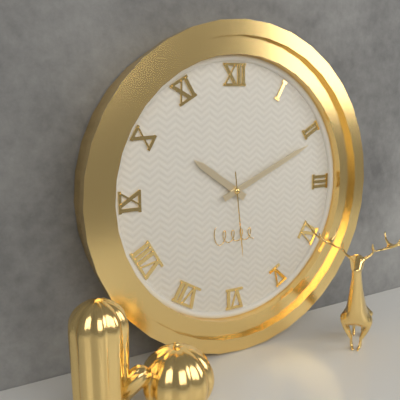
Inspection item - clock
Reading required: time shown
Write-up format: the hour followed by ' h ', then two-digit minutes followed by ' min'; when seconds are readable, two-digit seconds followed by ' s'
10 h 11 min 29 s
